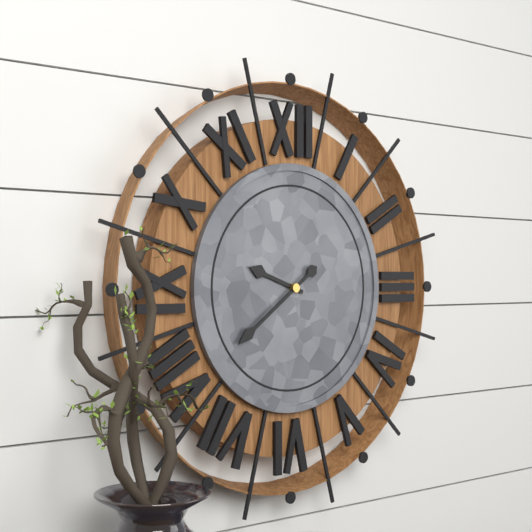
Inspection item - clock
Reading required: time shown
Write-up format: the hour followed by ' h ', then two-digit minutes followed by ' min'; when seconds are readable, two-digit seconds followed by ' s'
9 h 39 min
